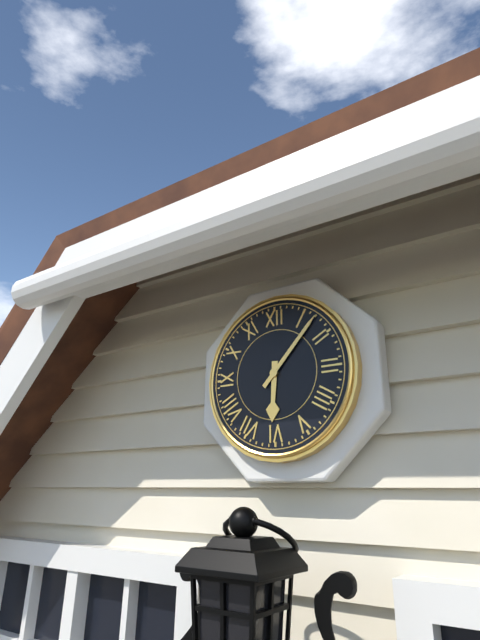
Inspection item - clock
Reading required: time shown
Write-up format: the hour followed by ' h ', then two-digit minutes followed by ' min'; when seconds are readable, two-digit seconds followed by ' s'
6 h 07 min
